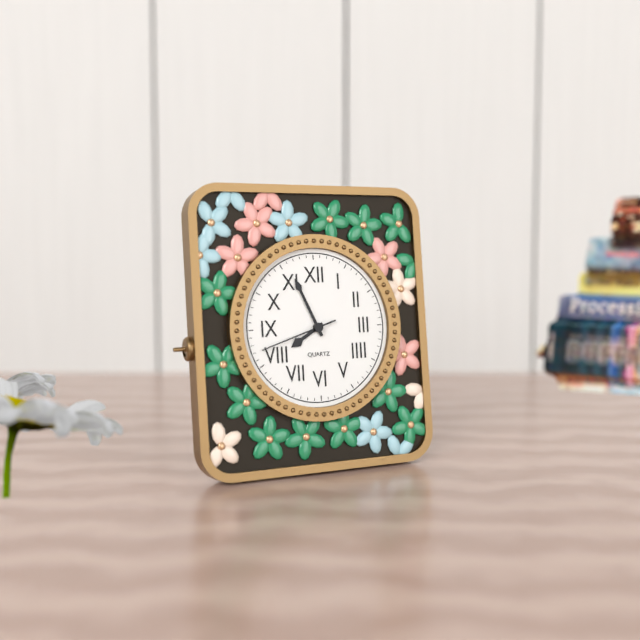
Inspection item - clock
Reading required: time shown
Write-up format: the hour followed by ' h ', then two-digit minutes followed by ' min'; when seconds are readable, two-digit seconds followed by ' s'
7 h 56 min 42 s
